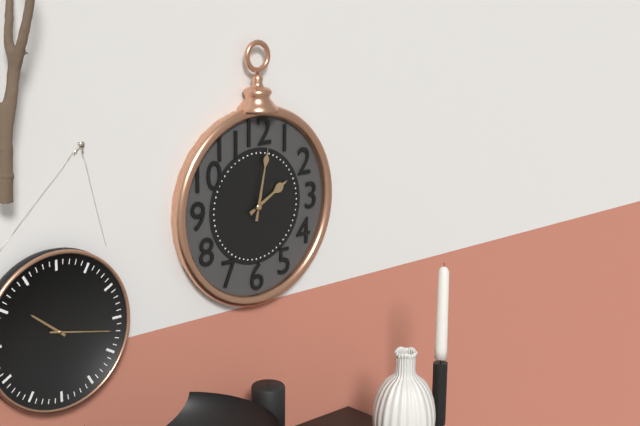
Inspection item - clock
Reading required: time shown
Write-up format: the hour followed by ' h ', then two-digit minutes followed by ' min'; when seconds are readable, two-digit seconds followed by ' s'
2 h 02 min
